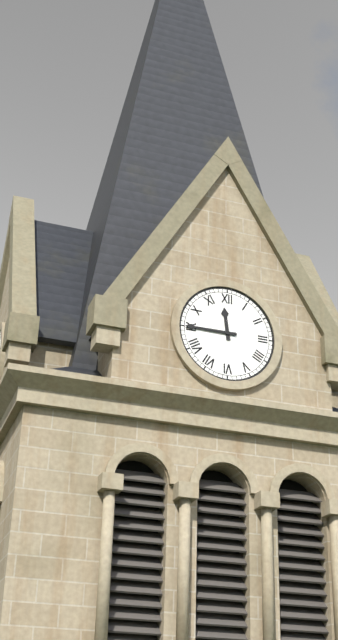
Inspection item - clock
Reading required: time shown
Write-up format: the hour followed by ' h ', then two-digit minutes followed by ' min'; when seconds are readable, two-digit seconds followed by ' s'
11 h 45 min
